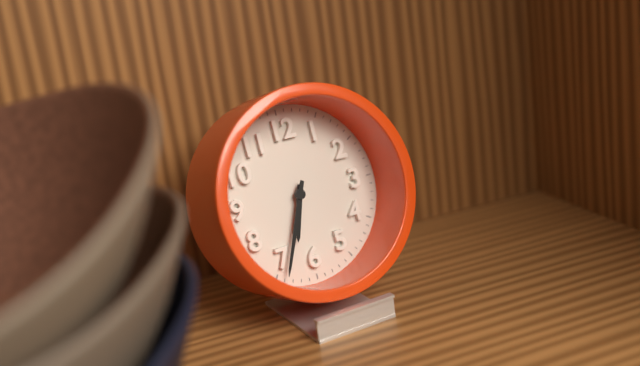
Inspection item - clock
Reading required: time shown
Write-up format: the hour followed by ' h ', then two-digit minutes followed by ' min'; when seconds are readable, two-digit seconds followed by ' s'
6 h 34 min
